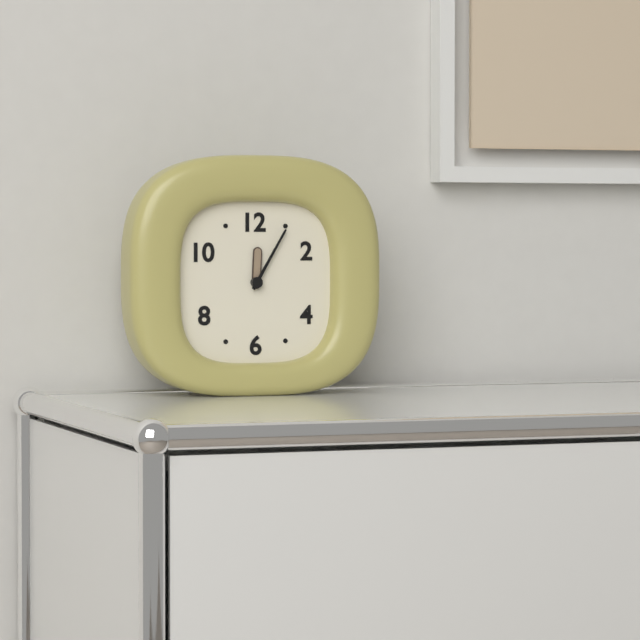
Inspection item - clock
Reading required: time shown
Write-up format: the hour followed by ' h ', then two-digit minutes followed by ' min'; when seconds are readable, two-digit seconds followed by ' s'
12 h 05 min
